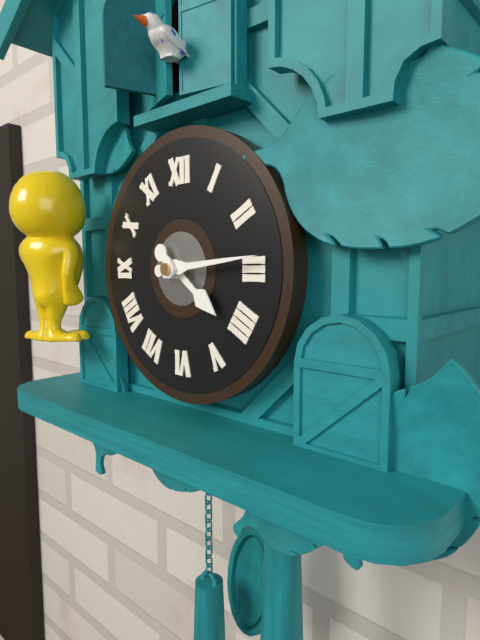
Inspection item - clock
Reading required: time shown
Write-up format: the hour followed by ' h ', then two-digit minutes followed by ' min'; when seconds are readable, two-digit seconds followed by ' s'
4 h 14 min
